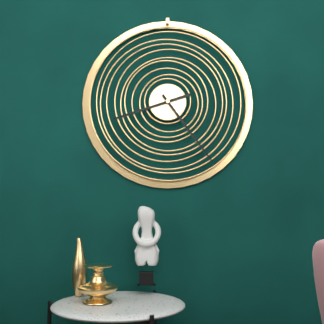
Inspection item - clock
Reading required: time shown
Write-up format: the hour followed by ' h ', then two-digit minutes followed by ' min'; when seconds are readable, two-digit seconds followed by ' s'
8 h 24 min
